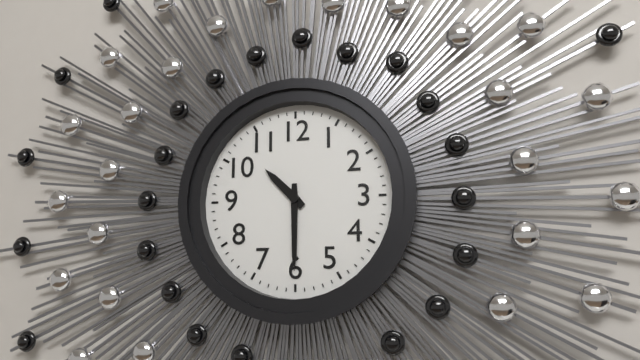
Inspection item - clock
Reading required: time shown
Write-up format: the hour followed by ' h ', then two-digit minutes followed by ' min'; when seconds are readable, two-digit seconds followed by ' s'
10 h 30 min
